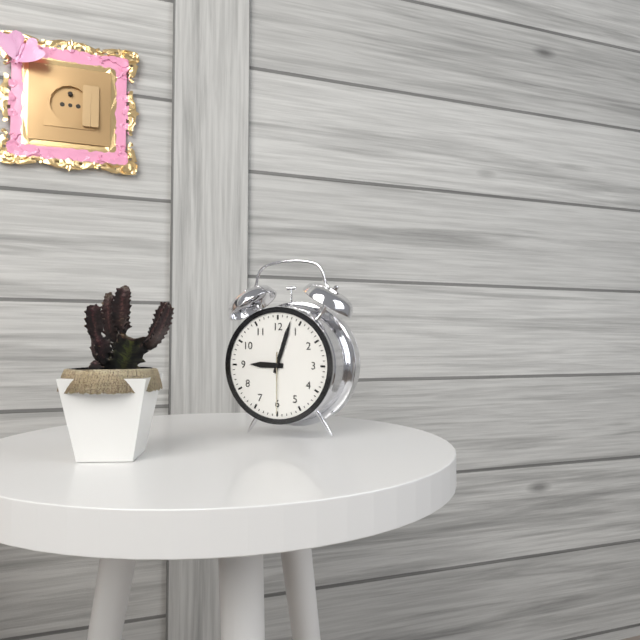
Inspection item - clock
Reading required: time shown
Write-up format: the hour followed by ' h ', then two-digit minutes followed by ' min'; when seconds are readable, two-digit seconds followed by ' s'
9 h 03 min 30 s
